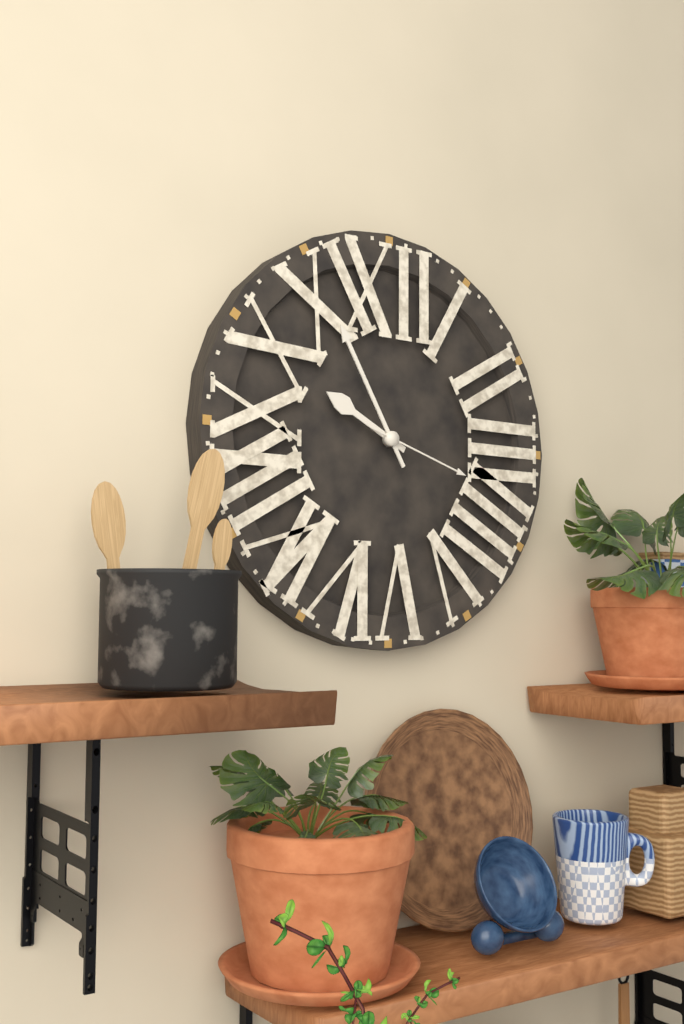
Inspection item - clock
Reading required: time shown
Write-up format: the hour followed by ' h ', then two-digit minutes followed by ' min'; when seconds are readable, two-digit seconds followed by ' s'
9 h 55 min 18 s
